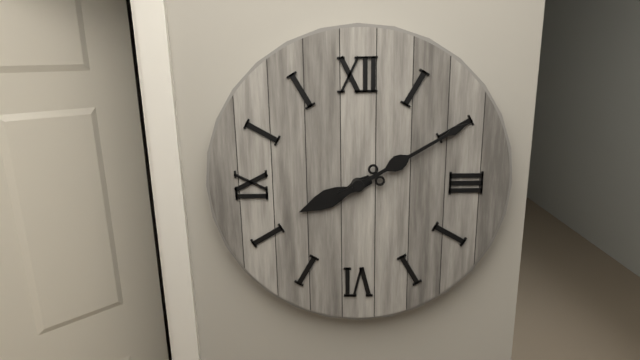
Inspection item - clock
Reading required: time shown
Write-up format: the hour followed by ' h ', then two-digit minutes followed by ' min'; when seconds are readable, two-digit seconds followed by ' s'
8 h 10 min
